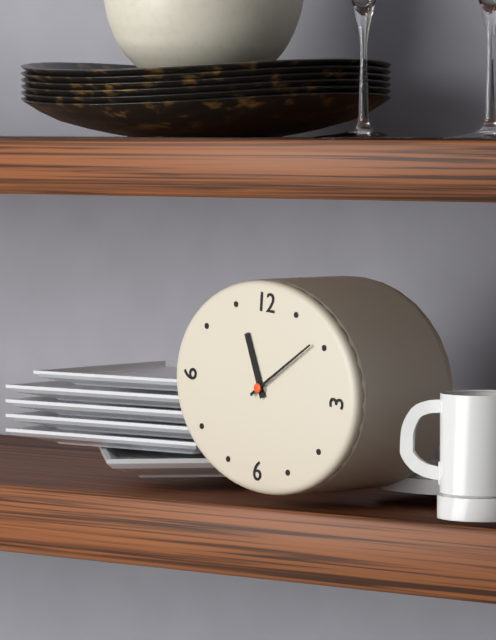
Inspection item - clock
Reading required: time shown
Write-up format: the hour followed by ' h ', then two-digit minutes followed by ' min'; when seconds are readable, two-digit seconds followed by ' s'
11 h 09 min
